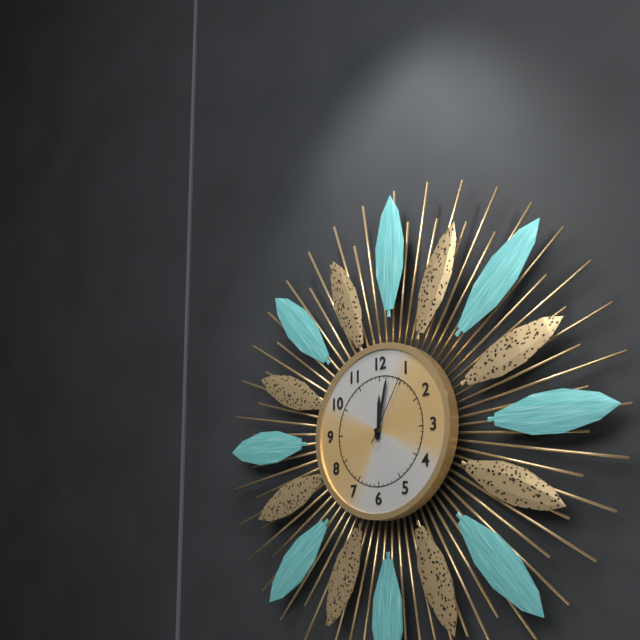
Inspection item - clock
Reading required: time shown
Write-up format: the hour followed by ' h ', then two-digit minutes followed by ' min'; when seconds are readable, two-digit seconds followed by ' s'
12 h 02 min 05 s
